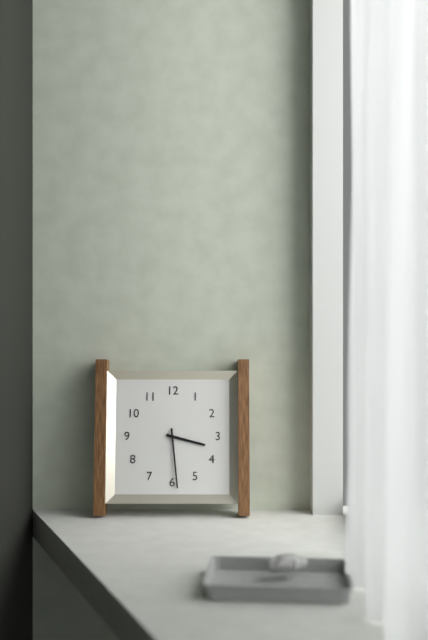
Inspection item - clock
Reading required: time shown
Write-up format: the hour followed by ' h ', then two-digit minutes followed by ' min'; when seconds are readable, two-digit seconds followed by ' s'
3 h 29 min
